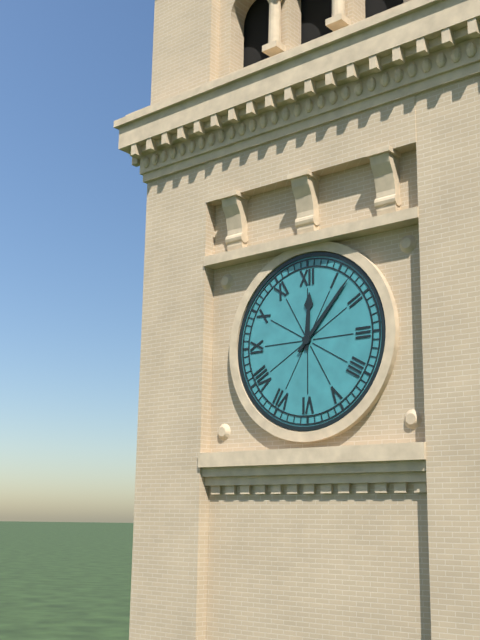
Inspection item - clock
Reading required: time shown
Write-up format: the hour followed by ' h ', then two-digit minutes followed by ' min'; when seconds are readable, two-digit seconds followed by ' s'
12 h 07 min
